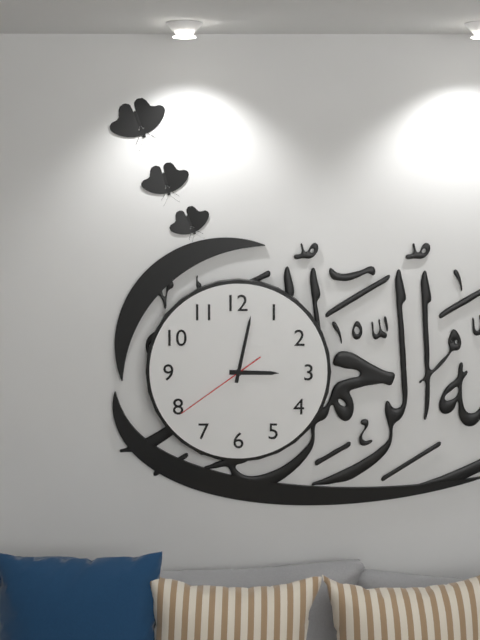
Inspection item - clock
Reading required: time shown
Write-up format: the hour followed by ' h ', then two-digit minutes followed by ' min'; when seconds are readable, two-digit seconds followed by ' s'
3 h 02 min 39 s
